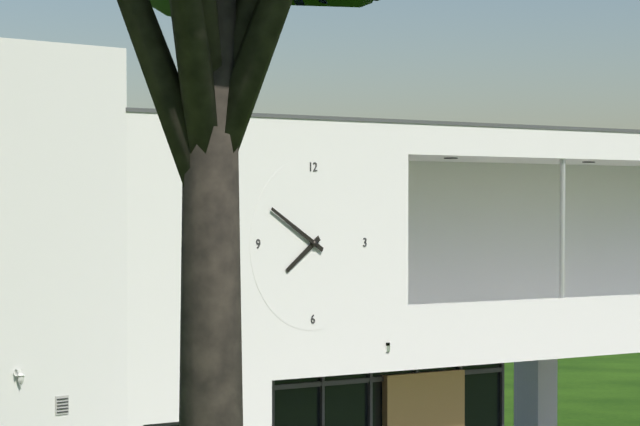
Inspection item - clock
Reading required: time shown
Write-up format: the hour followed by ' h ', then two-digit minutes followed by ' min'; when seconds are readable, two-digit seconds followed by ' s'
7 h 50 min
